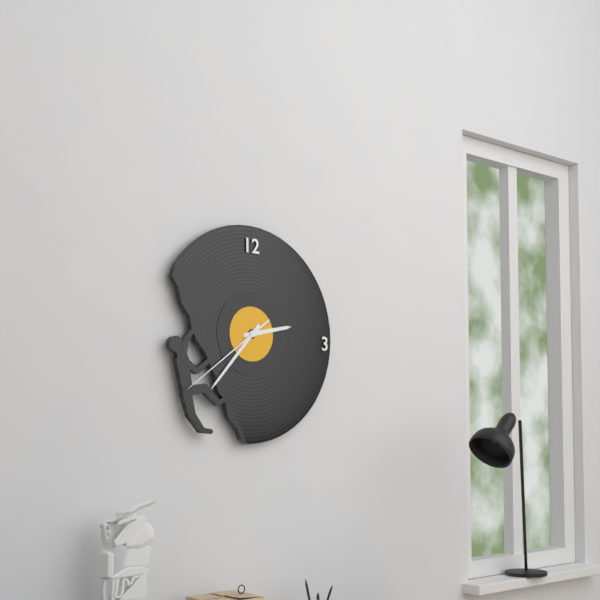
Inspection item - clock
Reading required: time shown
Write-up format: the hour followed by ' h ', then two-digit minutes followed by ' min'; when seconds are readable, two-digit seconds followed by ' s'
2 h 37 min 39 s
